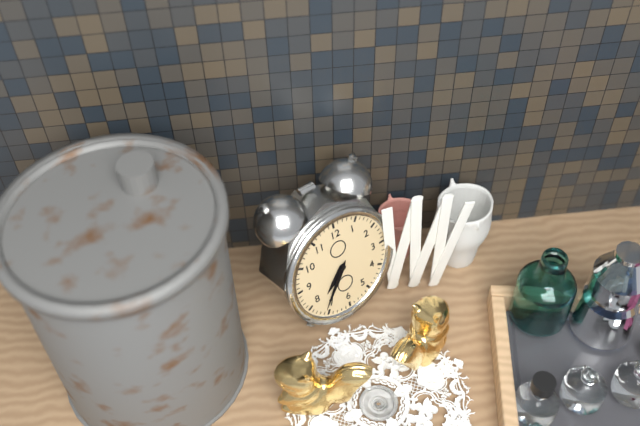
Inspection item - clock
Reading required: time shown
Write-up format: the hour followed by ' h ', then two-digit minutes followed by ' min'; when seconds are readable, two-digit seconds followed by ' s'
7 h 36 min
